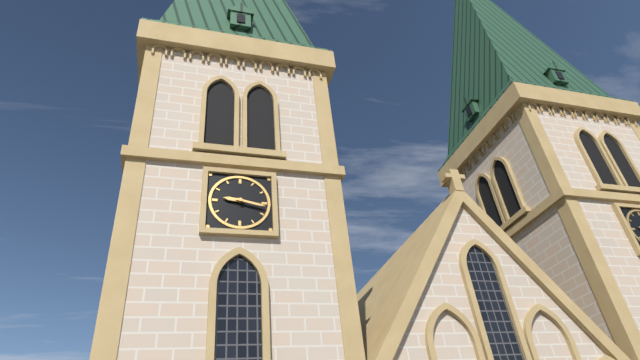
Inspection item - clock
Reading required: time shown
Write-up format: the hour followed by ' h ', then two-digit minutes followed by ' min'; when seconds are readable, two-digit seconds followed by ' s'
9 h 17 min
